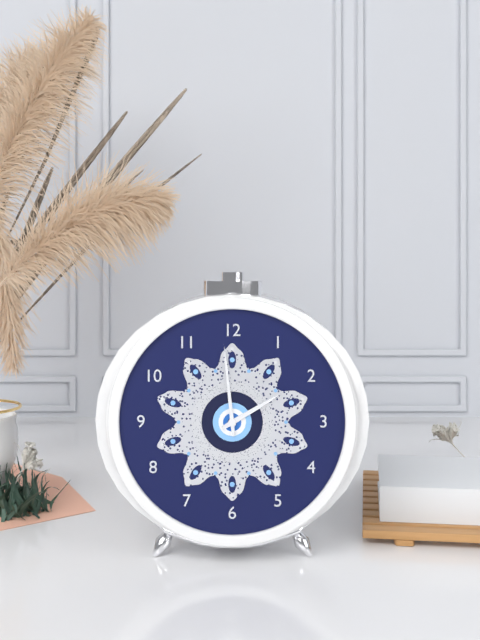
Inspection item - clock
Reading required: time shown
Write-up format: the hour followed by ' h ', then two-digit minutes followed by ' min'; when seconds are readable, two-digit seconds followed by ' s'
1 h 59 min
